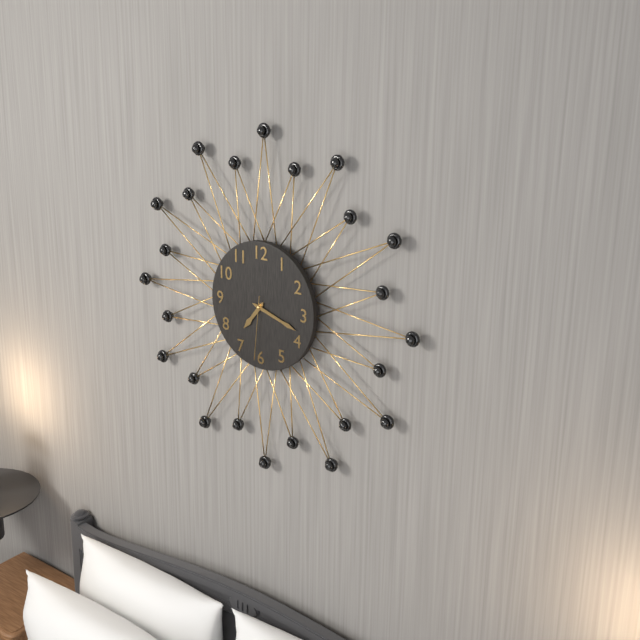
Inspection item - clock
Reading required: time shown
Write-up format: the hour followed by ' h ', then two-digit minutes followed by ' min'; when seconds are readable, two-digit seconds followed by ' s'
7 h 18 min 31 s
